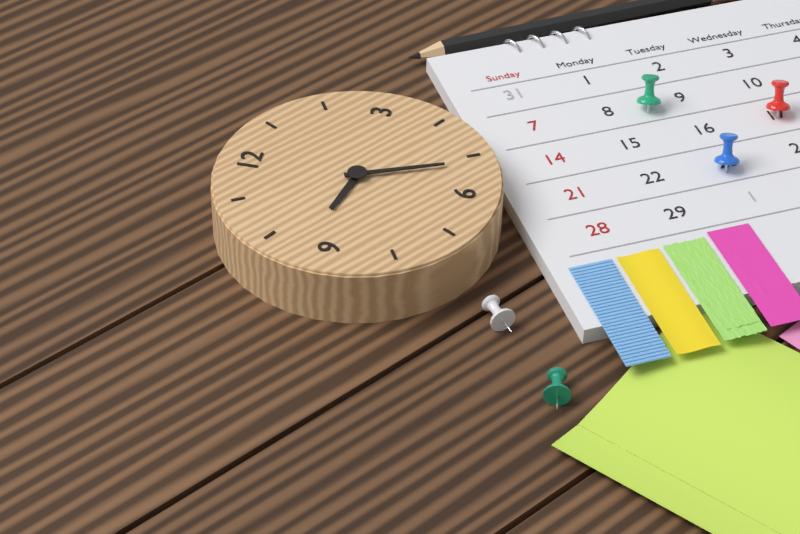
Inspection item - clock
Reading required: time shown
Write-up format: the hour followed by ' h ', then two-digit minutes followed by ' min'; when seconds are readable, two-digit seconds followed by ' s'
9 h 26 min
